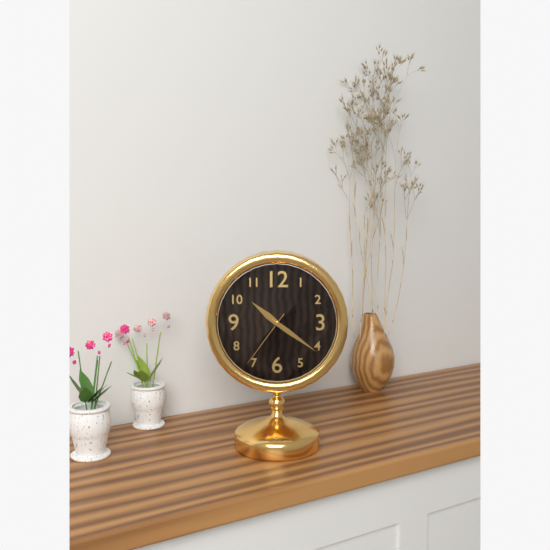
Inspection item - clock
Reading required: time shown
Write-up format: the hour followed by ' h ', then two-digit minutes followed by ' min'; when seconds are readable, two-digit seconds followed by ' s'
10 h 21 min 36 s
